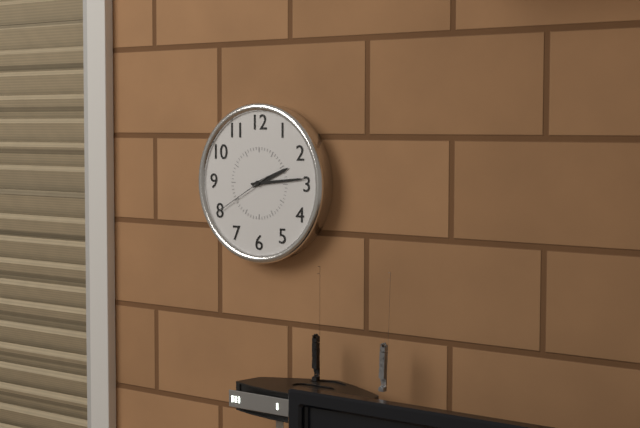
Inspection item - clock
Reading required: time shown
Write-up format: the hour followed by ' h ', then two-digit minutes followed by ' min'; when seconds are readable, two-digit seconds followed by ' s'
2 h 14 min 40 s
